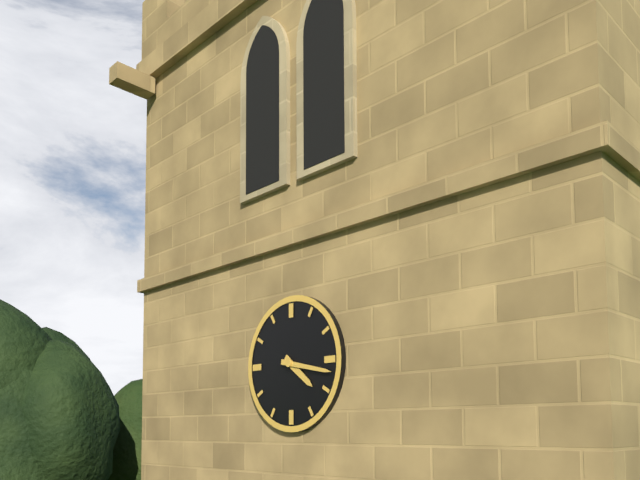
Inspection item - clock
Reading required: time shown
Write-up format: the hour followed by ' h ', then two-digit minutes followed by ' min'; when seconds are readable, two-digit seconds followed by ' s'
4 h 17 min
